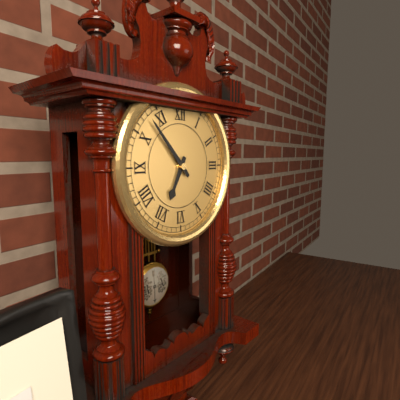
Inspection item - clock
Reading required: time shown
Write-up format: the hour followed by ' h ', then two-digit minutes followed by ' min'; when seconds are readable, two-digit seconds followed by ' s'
6 h 53 min
